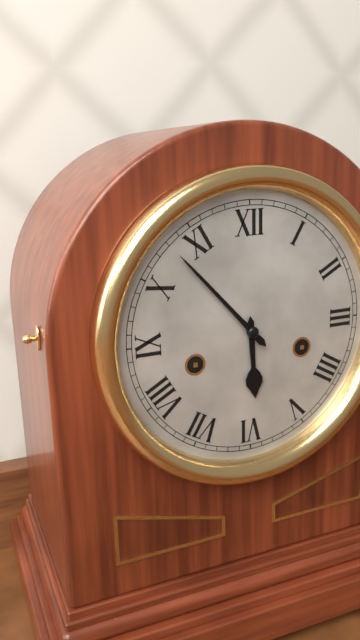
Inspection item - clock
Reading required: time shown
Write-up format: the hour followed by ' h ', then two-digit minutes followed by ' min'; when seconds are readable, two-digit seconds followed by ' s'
5 h 53 min
